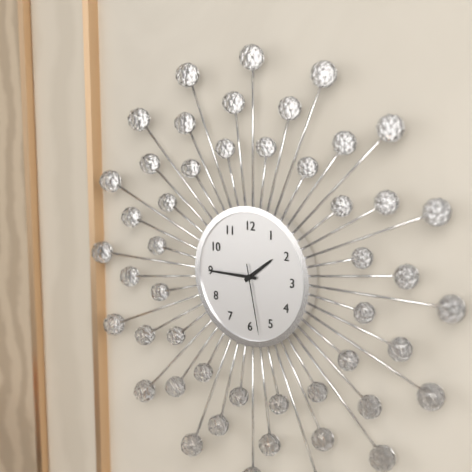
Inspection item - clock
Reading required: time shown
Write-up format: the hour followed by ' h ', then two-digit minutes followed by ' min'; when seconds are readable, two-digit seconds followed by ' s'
1 h 45 min 28 s
